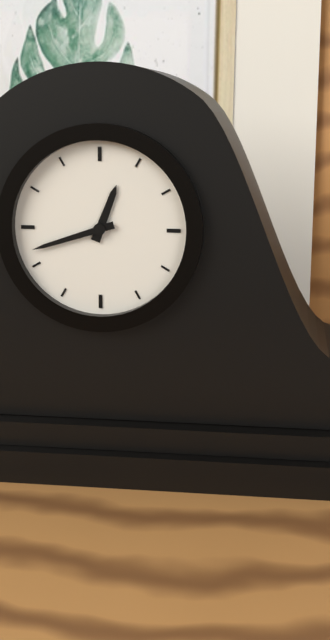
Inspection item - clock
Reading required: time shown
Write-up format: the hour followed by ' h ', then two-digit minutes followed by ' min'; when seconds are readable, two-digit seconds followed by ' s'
12 h 42 min
